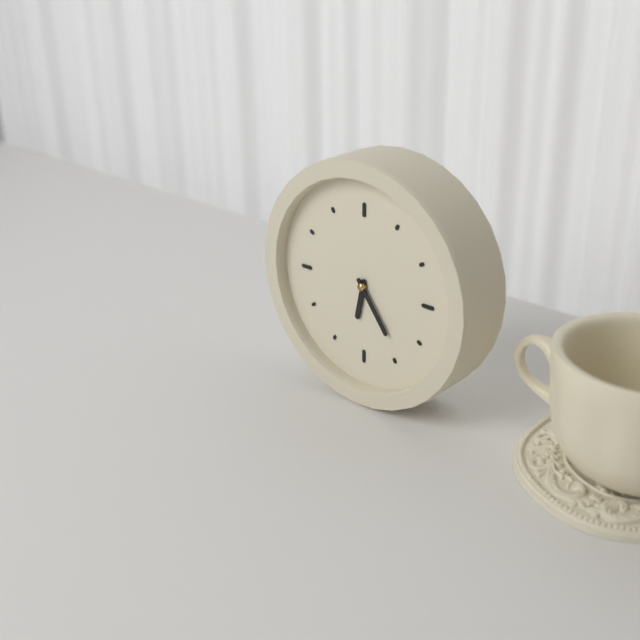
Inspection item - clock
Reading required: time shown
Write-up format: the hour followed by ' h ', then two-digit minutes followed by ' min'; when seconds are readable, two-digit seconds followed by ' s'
6 h 24 min
